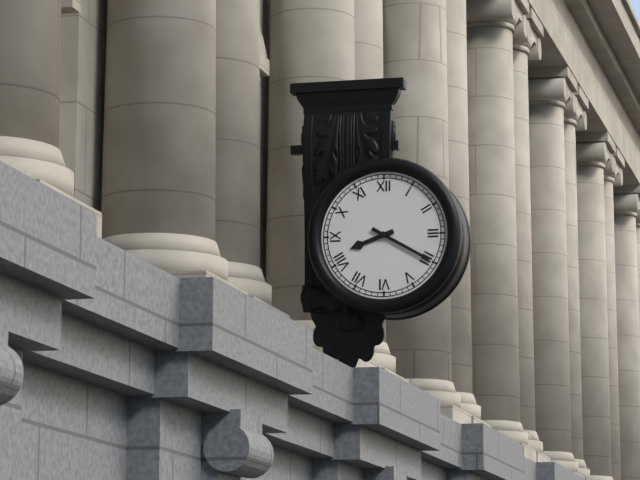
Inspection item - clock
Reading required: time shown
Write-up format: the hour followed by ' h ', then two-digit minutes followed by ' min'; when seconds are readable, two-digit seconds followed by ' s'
8 h 20 min
